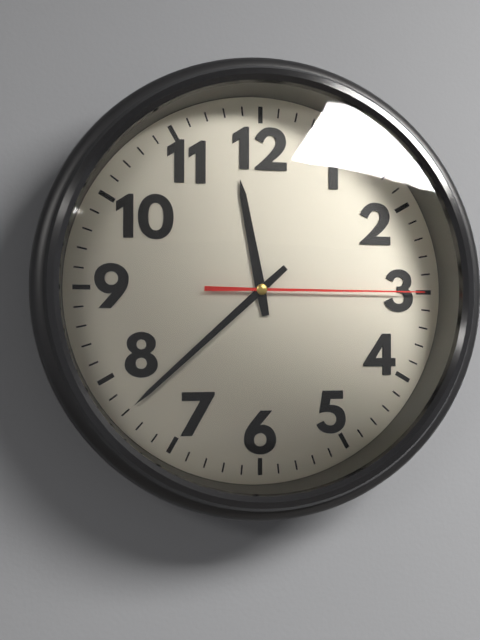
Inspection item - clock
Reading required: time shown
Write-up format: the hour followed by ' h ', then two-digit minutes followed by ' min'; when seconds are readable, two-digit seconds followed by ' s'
11 h 38 min 15 s
